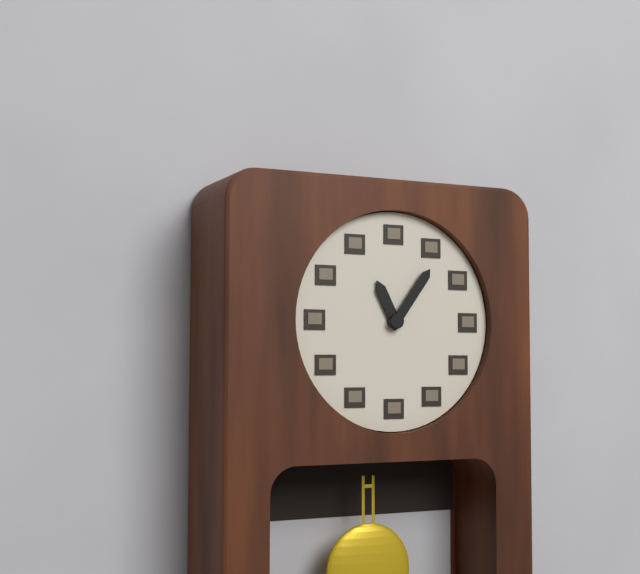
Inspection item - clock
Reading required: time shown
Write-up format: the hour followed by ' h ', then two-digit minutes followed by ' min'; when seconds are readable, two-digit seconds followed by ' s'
11 h 06 min
